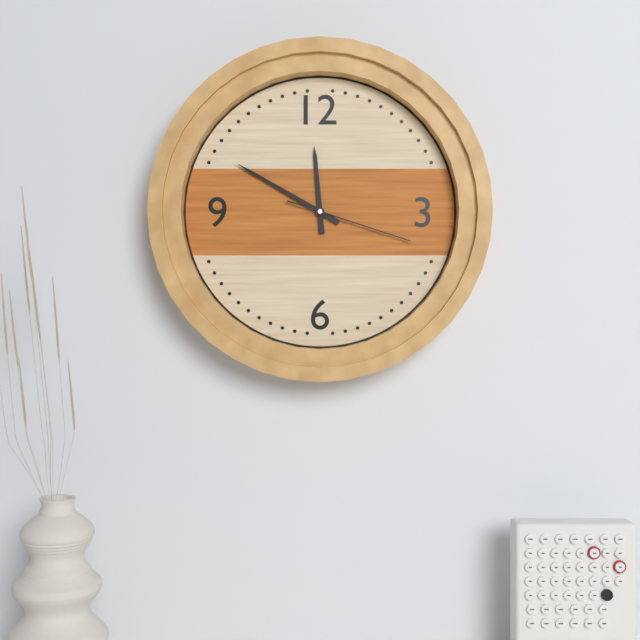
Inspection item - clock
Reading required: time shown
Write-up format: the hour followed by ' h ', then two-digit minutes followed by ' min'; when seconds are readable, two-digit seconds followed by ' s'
11 h 50 min 18 s
